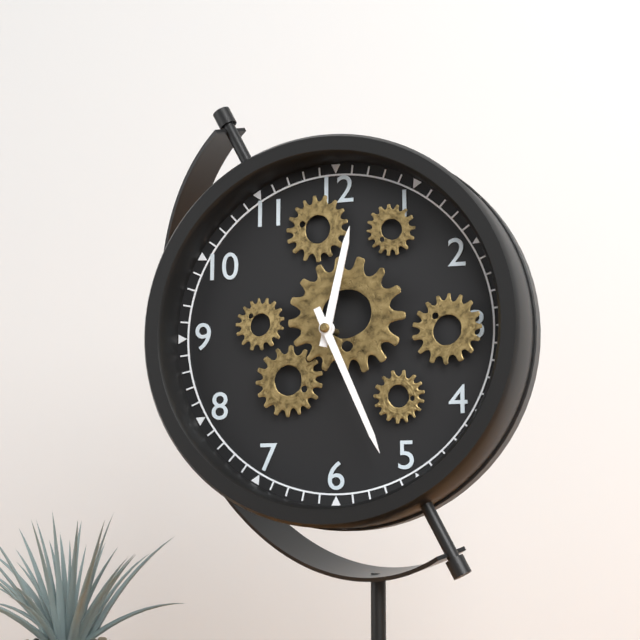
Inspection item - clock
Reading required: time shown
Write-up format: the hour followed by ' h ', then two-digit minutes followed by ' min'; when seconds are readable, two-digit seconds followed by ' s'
12 h 26 min
